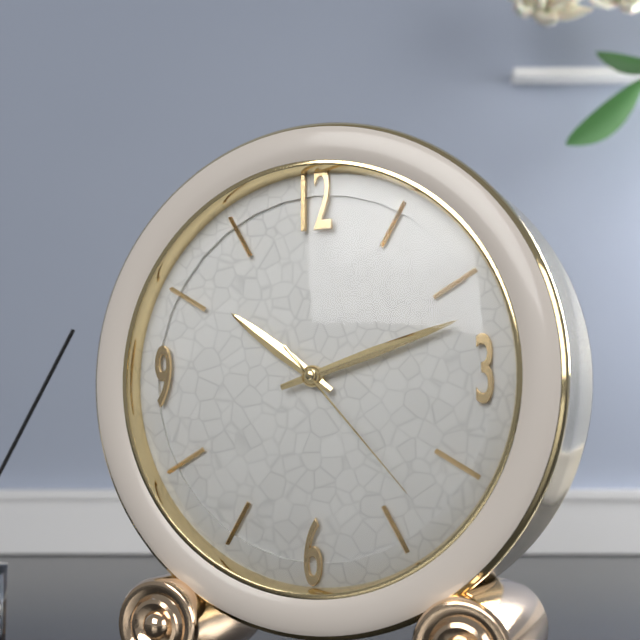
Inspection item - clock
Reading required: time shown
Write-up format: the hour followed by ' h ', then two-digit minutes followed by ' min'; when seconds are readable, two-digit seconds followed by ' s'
10 h 12 min 23 s
